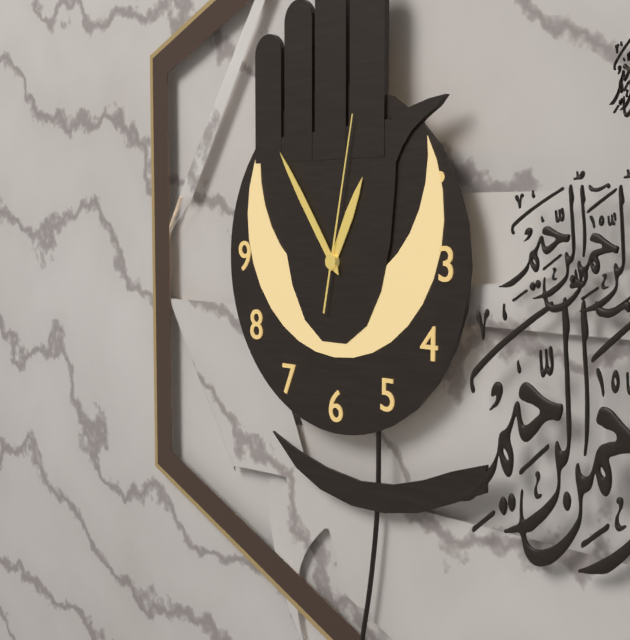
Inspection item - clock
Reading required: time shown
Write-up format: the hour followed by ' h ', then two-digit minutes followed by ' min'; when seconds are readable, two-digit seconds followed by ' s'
12 h 54 min 02 s
